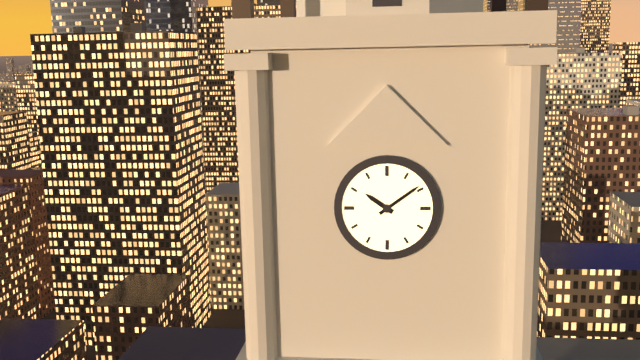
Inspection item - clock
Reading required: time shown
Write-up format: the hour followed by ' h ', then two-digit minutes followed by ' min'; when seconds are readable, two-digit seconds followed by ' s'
10 h 09 min
